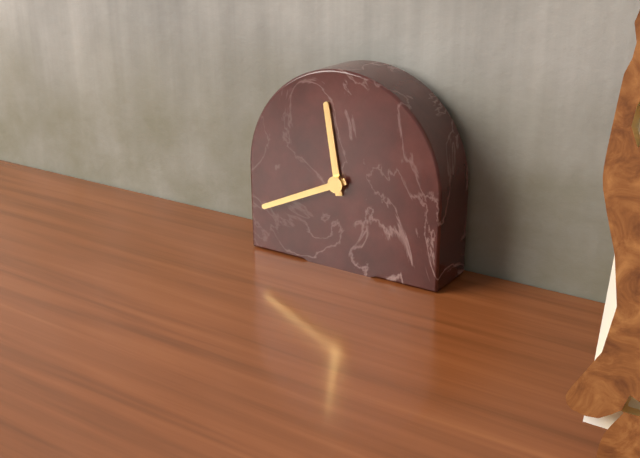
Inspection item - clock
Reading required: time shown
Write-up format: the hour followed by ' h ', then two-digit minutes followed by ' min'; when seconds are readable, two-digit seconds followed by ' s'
11 h 41 min
